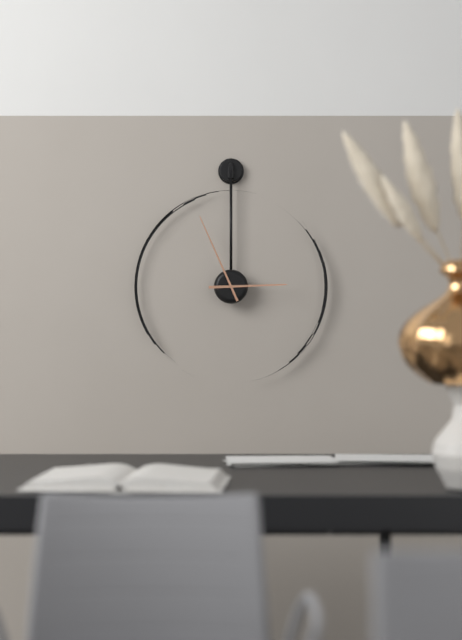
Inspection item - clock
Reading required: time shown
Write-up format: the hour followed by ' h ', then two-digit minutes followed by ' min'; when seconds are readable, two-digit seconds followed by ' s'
2 h 56 min
